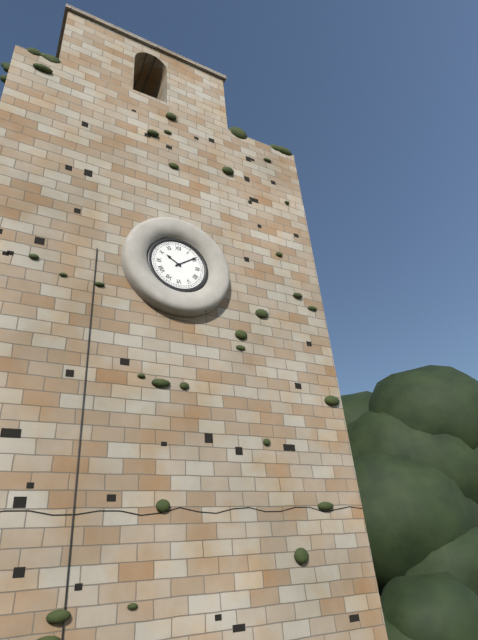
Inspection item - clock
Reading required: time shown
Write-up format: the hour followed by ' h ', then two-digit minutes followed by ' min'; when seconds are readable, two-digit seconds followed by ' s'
10 h 09 min
